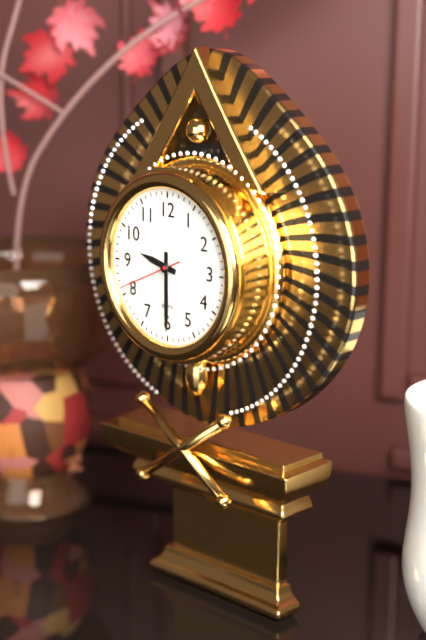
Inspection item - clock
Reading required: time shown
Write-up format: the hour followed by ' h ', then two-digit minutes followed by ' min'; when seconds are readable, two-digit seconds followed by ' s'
9 h 30 min 41 s
